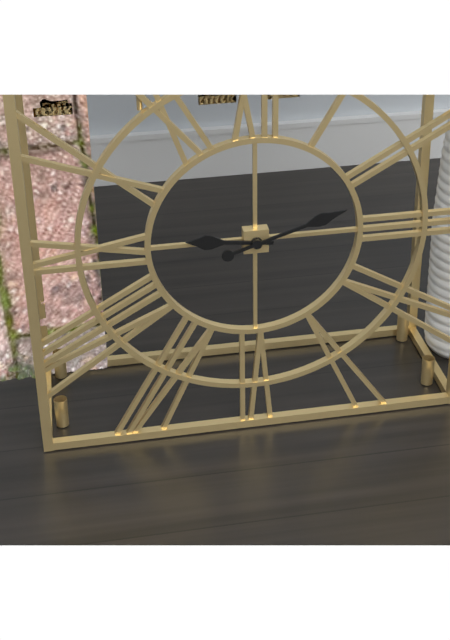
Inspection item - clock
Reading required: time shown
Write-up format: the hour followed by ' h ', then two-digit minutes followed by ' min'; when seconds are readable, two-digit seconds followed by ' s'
9 h 12 min
